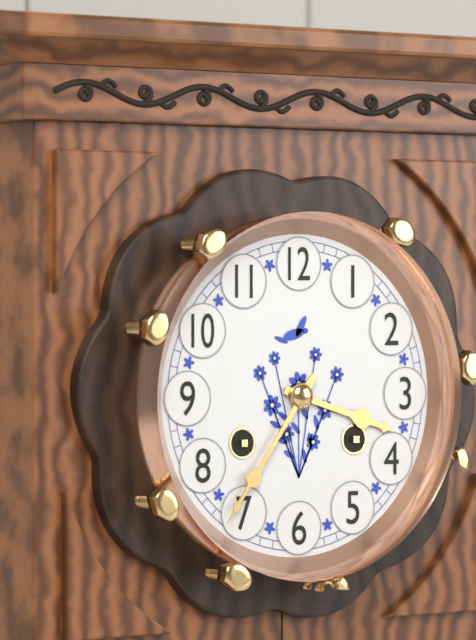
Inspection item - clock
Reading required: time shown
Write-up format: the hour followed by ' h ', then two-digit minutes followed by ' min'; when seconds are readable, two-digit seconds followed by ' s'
3 h 36 min
